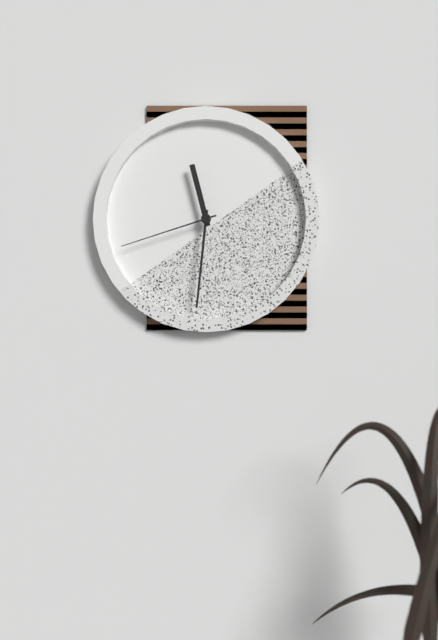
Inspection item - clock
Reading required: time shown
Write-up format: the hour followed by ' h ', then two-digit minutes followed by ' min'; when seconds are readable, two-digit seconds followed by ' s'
11 h 31 min 42 s
